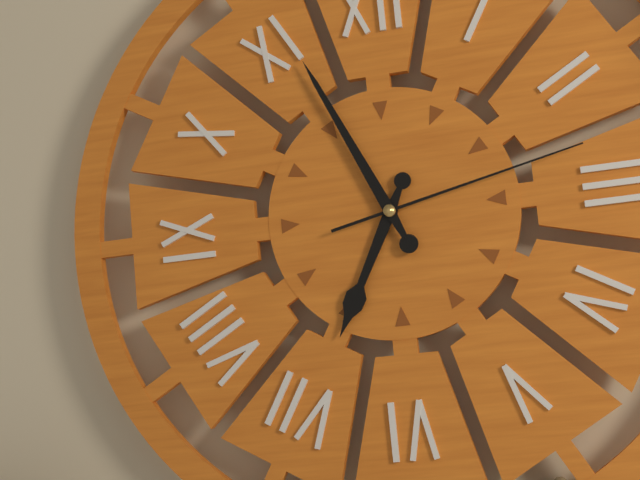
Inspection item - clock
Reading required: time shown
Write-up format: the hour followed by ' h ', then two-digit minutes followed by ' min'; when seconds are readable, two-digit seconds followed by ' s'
6 h 56 min 13 s
